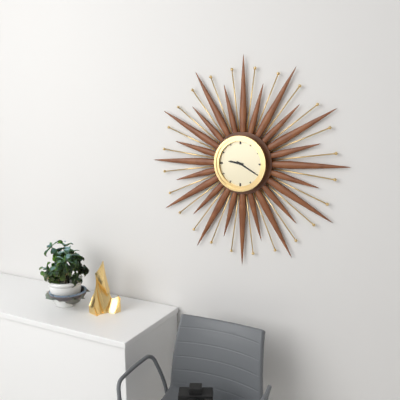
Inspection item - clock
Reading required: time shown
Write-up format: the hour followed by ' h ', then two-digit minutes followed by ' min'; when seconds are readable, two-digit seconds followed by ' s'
9 h 20 min
